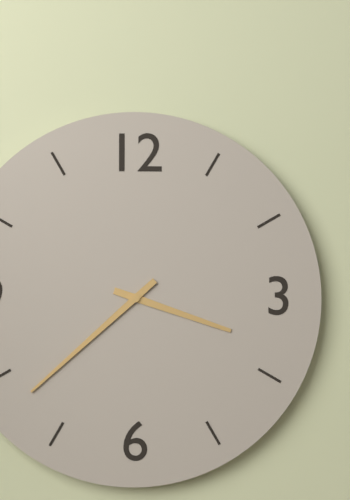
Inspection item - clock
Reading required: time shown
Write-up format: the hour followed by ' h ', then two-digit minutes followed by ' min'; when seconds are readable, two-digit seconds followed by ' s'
3 h 38 min
